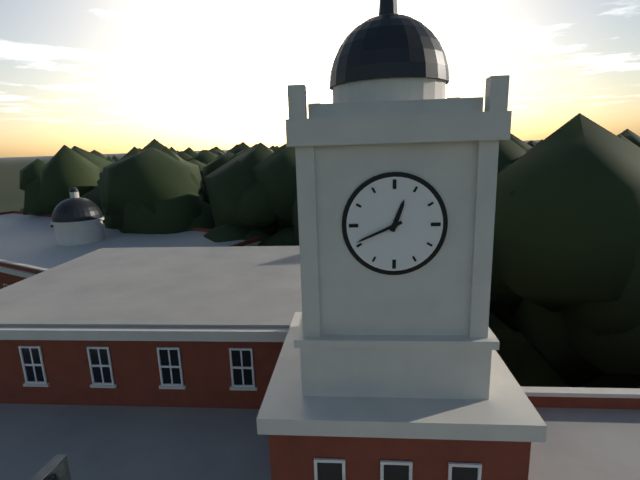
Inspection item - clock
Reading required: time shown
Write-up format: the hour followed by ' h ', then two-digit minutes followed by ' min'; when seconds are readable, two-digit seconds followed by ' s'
12 h 41 min
